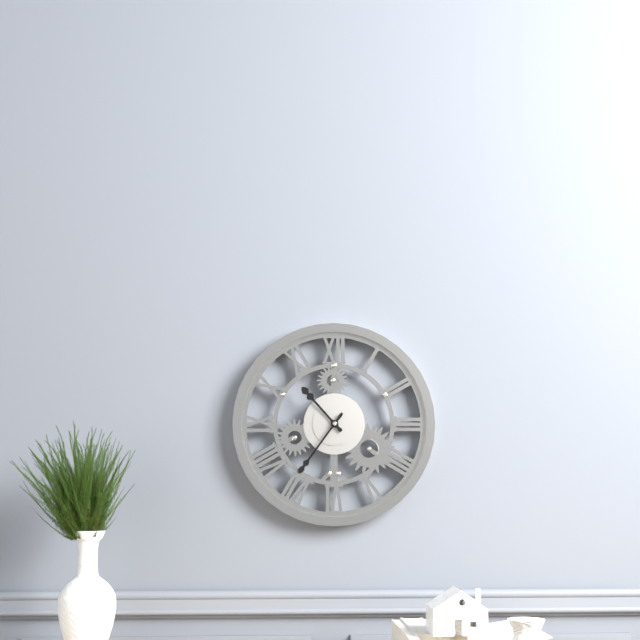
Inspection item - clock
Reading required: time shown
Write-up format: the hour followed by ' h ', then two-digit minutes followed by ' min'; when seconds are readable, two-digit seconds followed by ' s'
10 h 36 min
